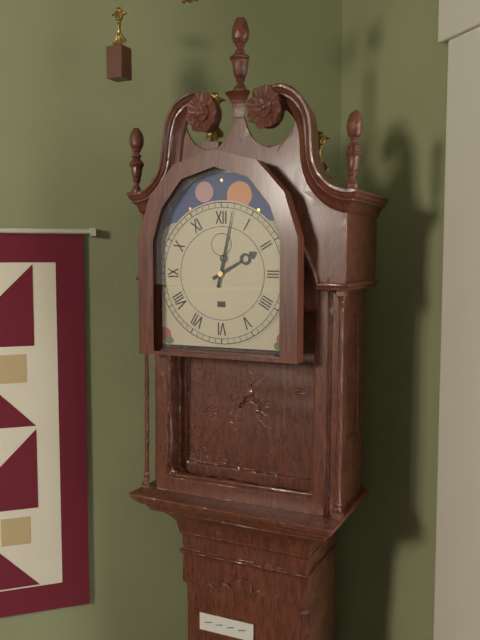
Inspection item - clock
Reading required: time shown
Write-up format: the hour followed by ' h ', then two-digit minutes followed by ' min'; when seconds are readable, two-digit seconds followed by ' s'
2 h 02 min
